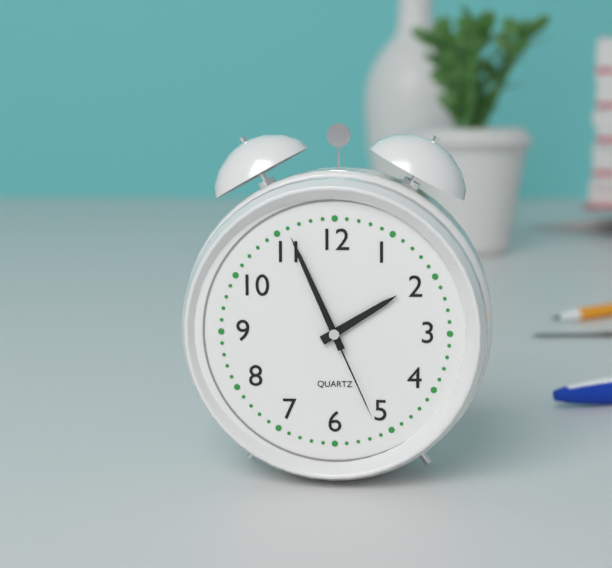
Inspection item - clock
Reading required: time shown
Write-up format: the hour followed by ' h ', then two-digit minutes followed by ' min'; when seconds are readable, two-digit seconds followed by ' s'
1 h 56 min 26 s
